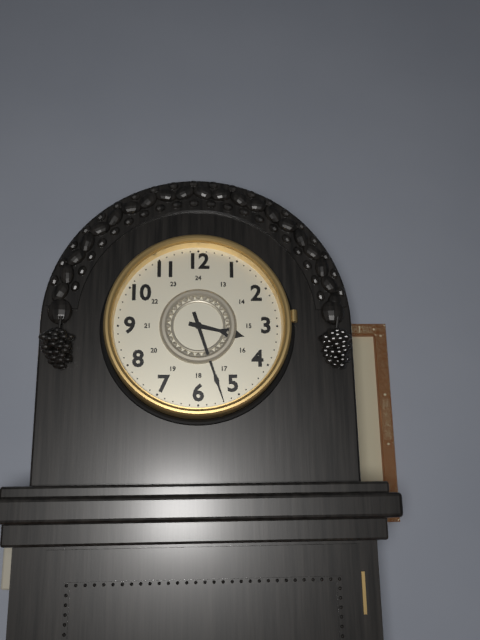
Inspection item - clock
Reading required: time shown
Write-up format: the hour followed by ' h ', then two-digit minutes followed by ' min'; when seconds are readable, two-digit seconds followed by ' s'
3 h 27 min
